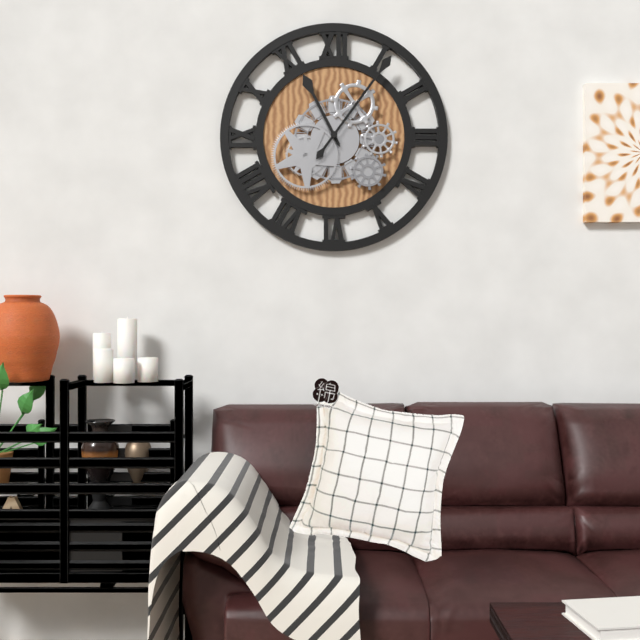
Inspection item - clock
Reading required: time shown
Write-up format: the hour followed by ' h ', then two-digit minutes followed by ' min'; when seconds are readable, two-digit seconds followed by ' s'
11 h 06 min
